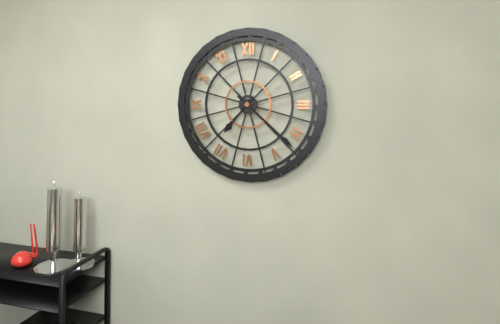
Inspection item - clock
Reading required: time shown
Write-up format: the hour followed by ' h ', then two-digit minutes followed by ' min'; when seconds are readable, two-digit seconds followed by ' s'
7 h 22 min
